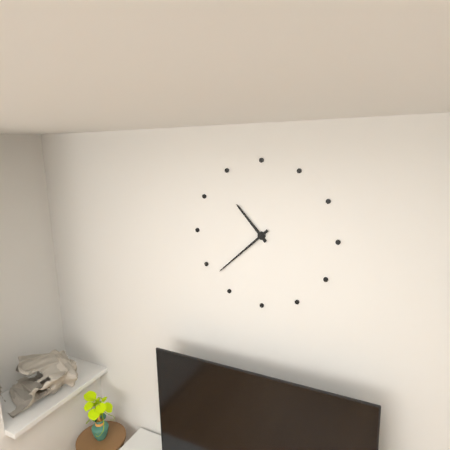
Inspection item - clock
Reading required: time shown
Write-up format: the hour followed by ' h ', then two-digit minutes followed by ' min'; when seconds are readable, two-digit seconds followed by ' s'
10 h 38 min
